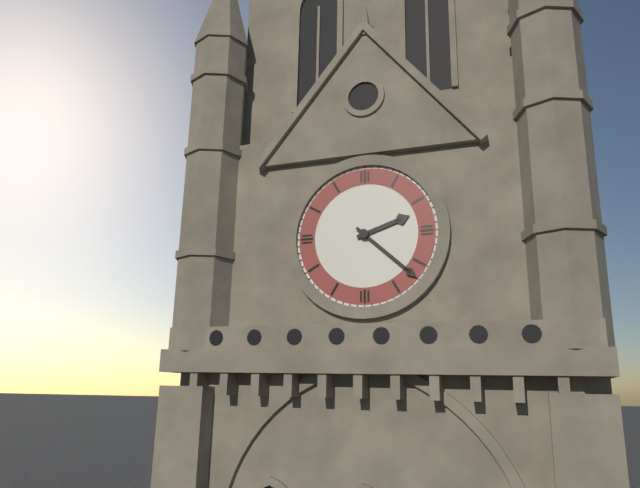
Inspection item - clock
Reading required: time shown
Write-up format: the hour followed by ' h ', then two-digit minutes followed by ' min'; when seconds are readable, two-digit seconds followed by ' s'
2 h 22 min
